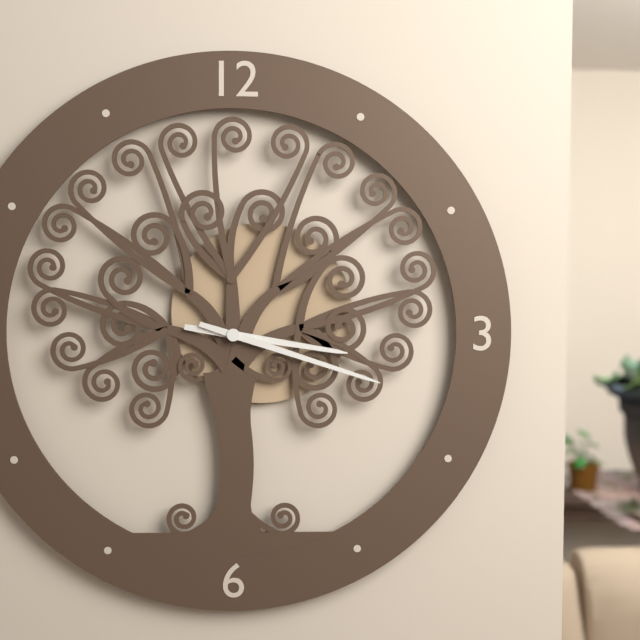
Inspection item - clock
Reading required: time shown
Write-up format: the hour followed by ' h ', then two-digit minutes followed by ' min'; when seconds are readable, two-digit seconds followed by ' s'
3 h 18 min
